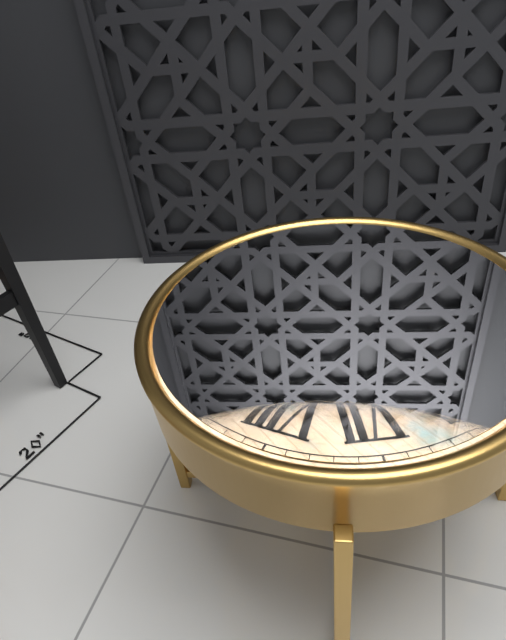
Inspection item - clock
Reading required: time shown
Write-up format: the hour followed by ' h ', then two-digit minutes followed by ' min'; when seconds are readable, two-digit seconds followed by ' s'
7 h 54 min
